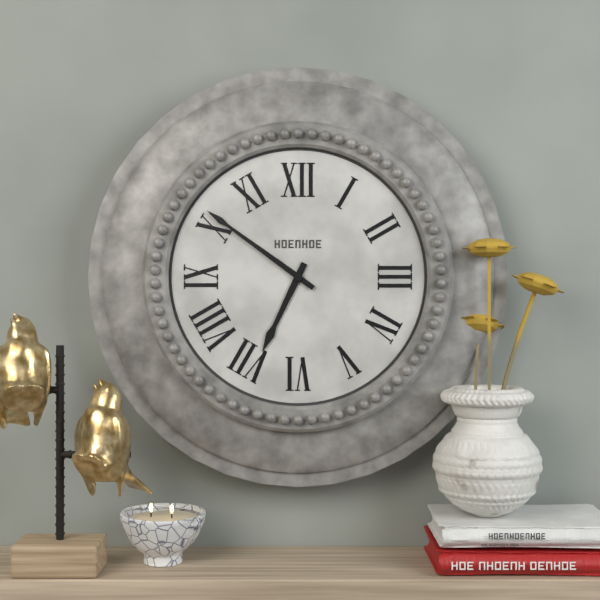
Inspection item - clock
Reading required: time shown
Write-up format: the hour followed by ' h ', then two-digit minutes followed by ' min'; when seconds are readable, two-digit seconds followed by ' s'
6 h 51 min
